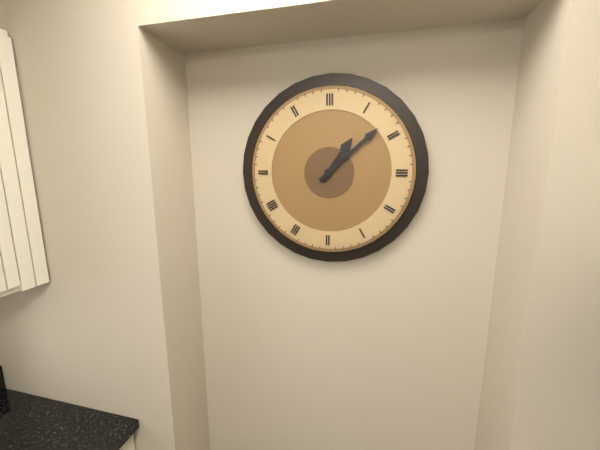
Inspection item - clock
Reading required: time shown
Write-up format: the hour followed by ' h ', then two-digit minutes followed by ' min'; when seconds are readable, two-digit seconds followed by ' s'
1 h 08 min
